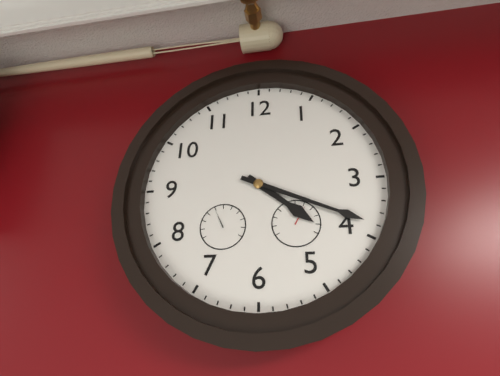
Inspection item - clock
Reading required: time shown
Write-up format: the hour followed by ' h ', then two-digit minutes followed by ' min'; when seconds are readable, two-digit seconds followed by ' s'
4 h 19 min
